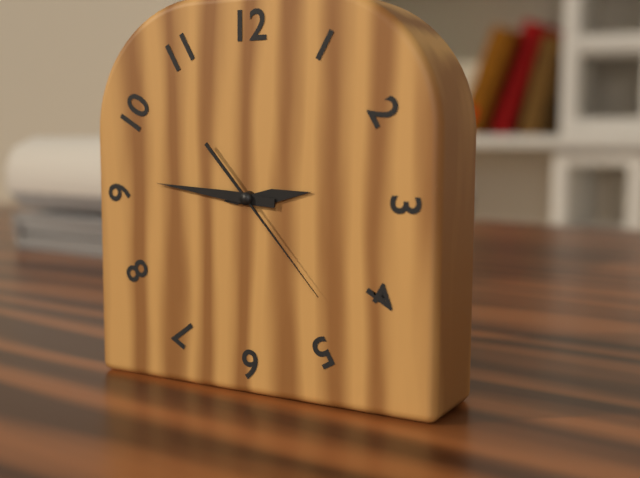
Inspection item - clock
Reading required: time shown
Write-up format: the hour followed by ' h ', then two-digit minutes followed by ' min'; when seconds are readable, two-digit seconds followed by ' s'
2 h 46 min 23 s
